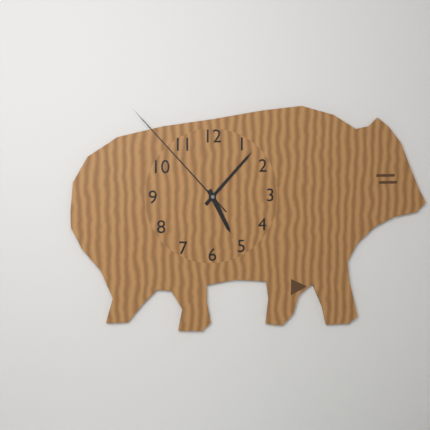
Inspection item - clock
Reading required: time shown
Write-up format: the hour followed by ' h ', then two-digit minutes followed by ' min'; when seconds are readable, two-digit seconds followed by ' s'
5 h 07 min 53 s
